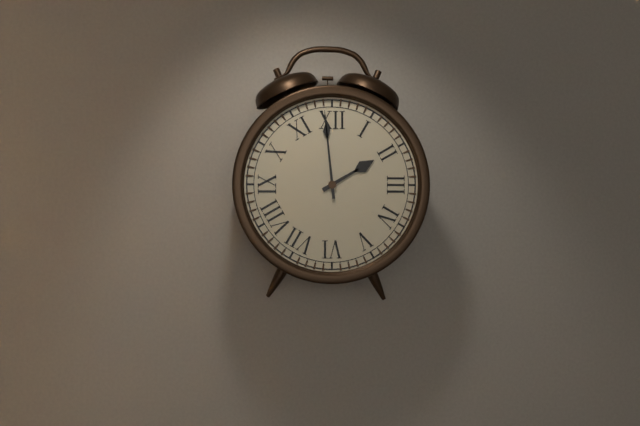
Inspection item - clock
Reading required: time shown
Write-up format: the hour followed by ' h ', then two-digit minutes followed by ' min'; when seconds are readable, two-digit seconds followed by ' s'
1 h 59 min
